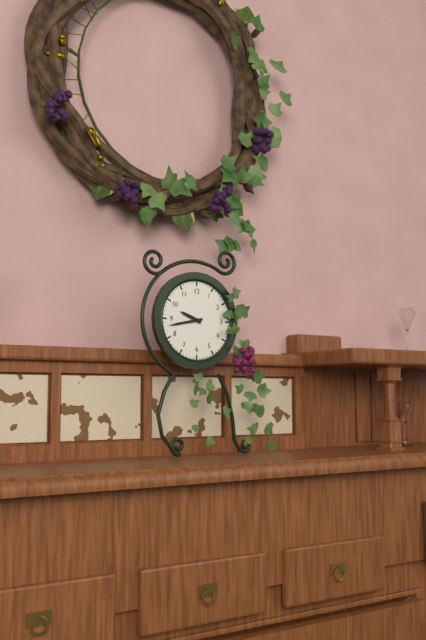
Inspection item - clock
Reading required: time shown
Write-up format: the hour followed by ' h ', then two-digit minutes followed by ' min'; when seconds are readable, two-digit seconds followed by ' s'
9 h 43 min
